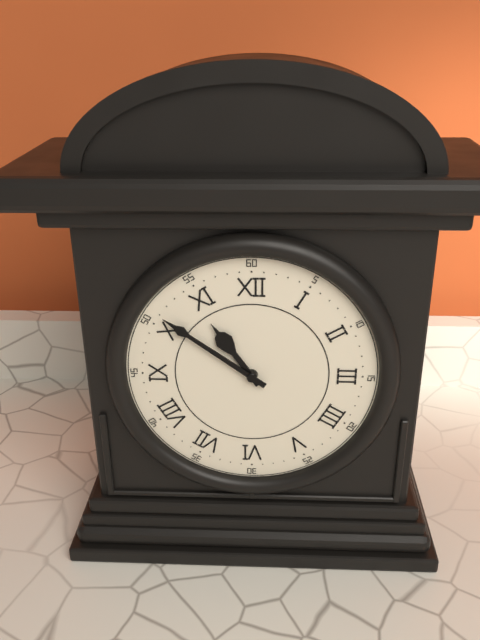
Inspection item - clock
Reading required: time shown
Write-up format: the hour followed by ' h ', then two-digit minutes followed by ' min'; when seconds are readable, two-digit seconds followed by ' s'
10 h 51 min
